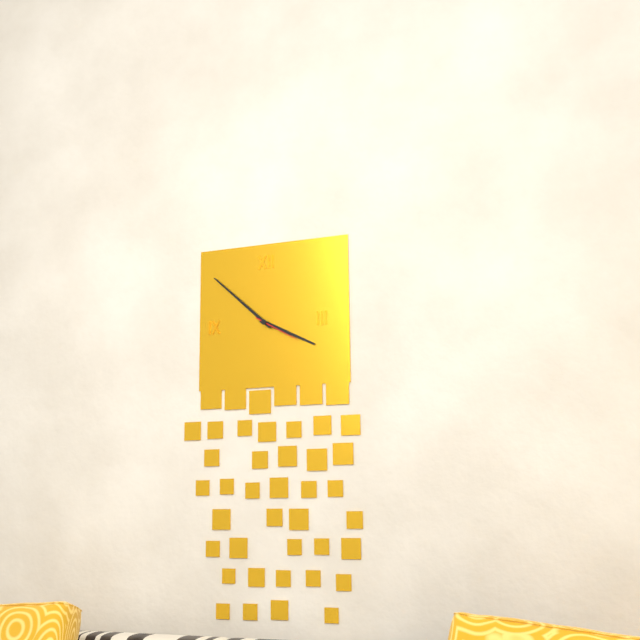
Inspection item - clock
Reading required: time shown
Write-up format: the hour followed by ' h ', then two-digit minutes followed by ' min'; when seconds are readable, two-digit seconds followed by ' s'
3 h 52 min
